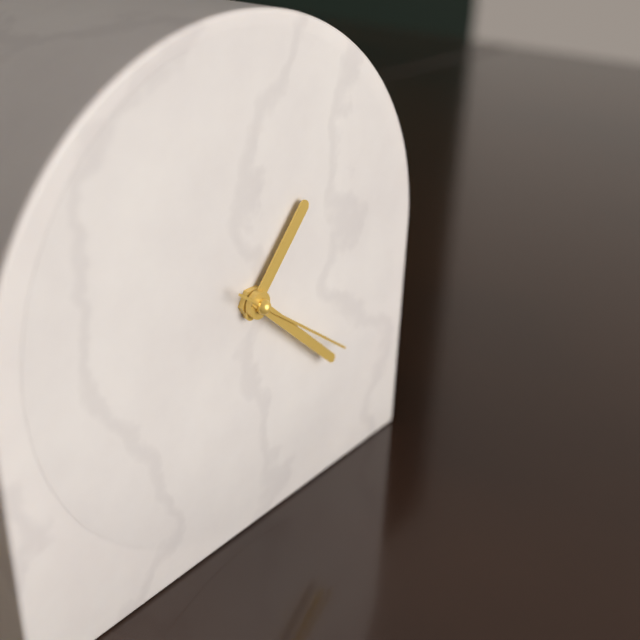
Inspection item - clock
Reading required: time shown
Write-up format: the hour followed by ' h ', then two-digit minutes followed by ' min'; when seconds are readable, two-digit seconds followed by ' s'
1 h 22 min 21 s
